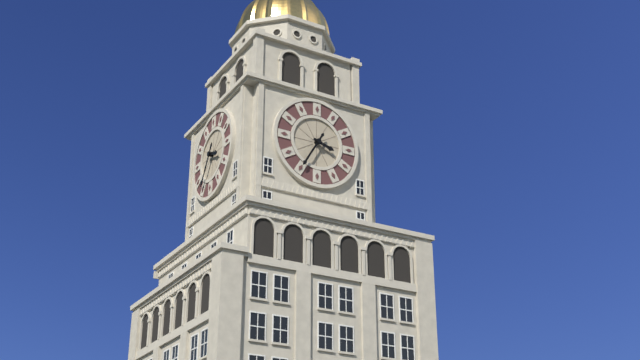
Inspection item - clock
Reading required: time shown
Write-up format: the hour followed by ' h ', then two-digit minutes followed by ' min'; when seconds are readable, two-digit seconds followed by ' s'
3 h 35 min
